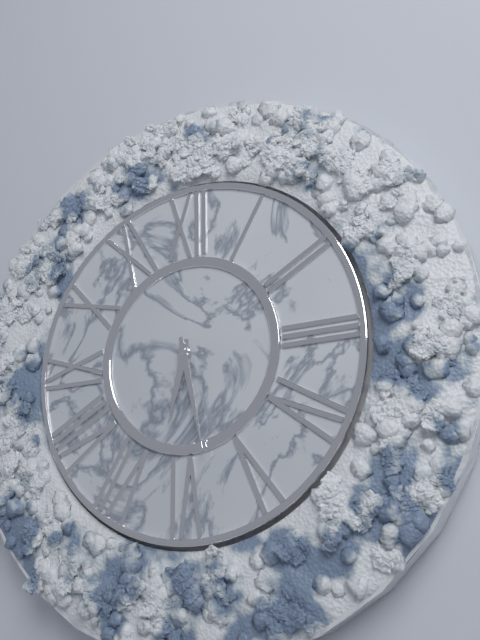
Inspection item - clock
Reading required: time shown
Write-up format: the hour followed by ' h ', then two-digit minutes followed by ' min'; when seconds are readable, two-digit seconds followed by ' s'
6 h 28 min
